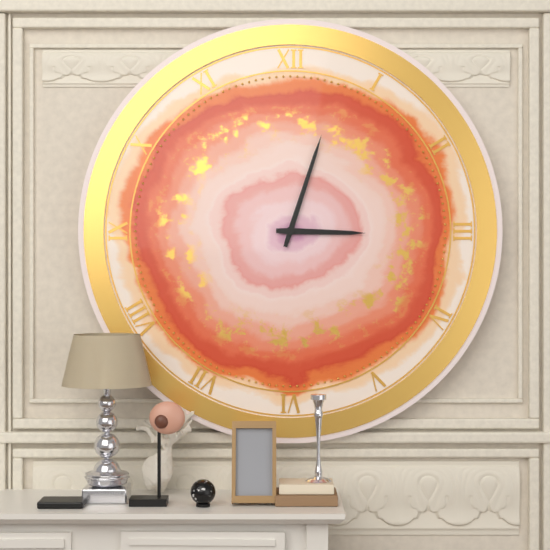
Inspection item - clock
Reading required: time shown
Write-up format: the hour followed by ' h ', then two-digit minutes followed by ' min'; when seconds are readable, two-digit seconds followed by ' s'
3 h 03 min
